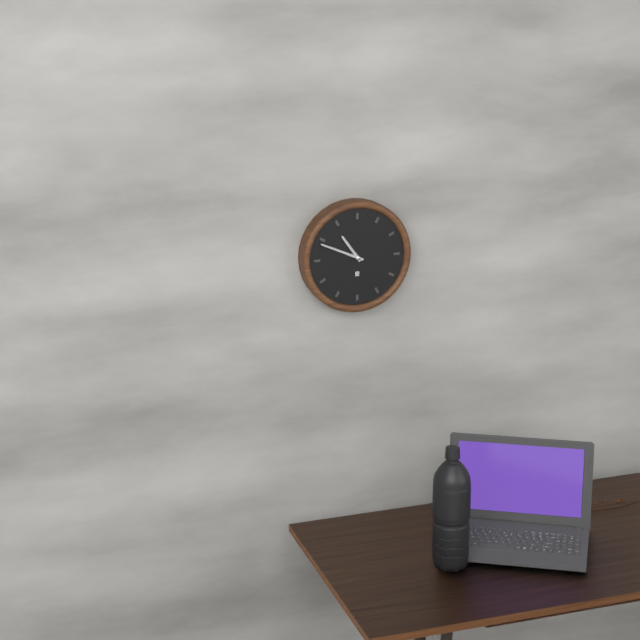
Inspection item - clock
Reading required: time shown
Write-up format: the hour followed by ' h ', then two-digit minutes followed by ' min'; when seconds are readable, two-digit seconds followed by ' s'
10 h 49 min
